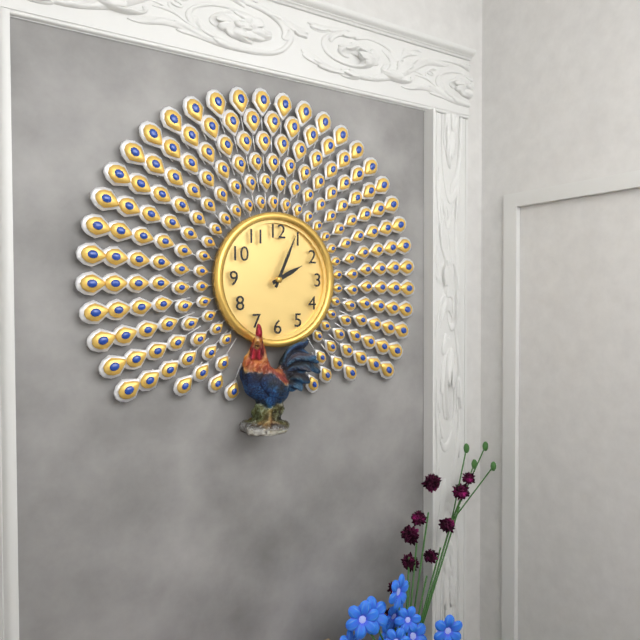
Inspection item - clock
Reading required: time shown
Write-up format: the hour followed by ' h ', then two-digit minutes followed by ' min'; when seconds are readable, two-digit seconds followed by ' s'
2 h 04 min
